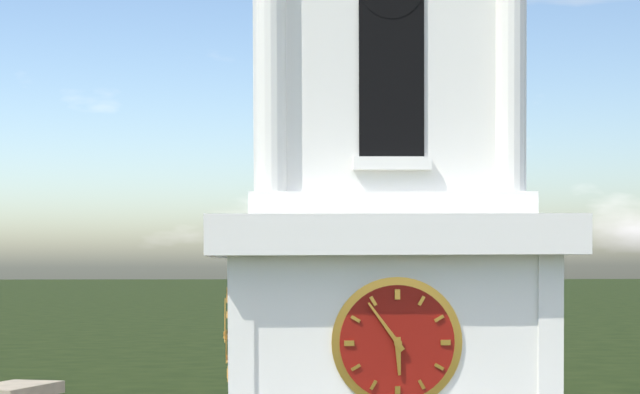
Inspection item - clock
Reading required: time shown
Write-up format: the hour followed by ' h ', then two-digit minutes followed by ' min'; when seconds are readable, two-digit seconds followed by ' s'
5 h 54 min
